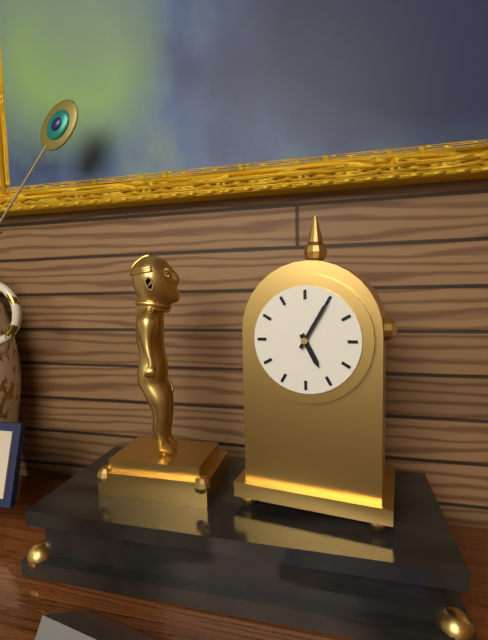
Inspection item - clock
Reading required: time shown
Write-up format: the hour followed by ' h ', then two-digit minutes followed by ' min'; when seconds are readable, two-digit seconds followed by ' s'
5 h 05 min
